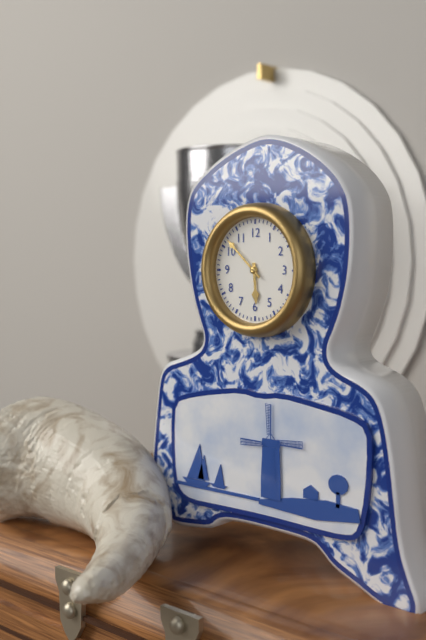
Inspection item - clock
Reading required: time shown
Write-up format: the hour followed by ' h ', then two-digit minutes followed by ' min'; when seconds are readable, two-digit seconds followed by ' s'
5 h 52 min
